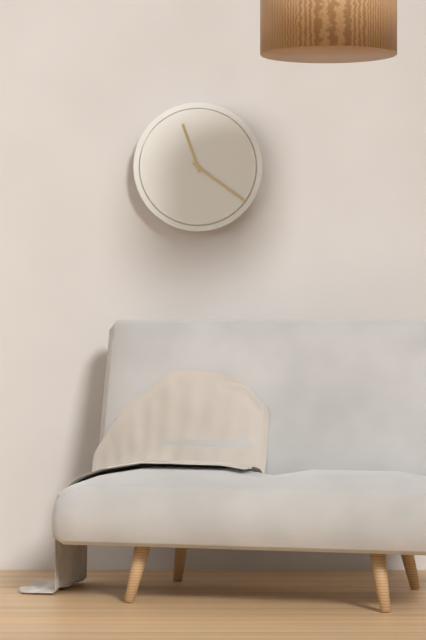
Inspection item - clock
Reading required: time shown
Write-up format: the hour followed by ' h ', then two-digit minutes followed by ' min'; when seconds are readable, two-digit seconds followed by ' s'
11 h 21 min
